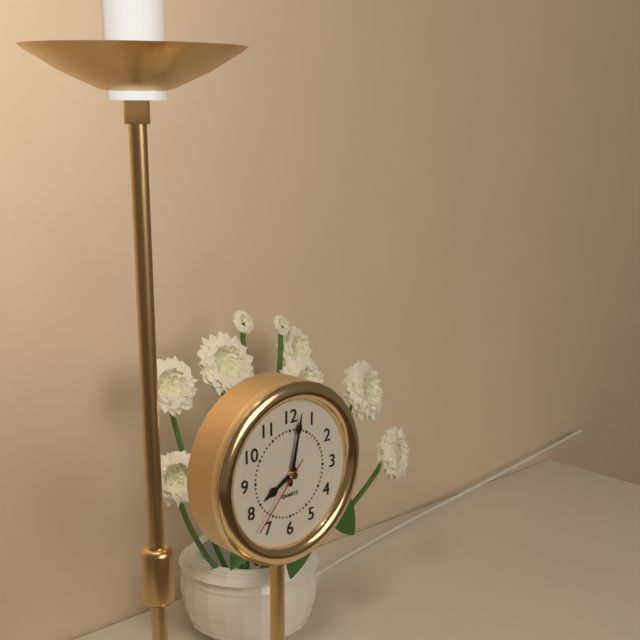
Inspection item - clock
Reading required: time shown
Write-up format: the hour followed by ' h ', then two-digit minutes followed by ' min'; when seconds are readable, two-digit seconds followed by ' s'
8 h 02 min 37 s
